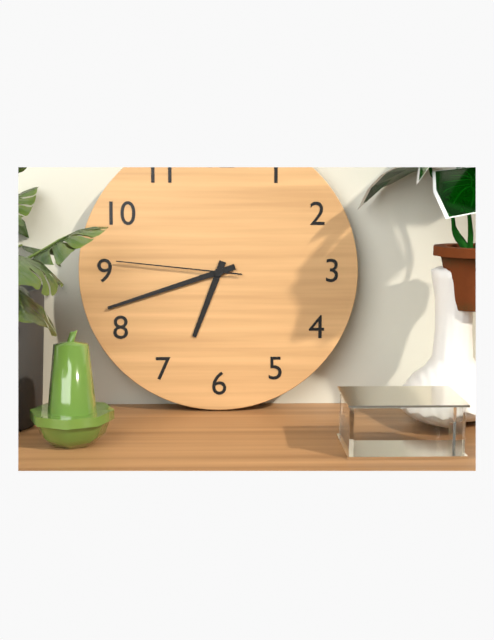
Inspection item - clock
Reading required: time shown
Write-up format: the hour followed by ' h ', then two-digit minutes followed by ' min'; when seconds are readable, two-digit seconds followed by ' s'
6 h 42 min 46 s
